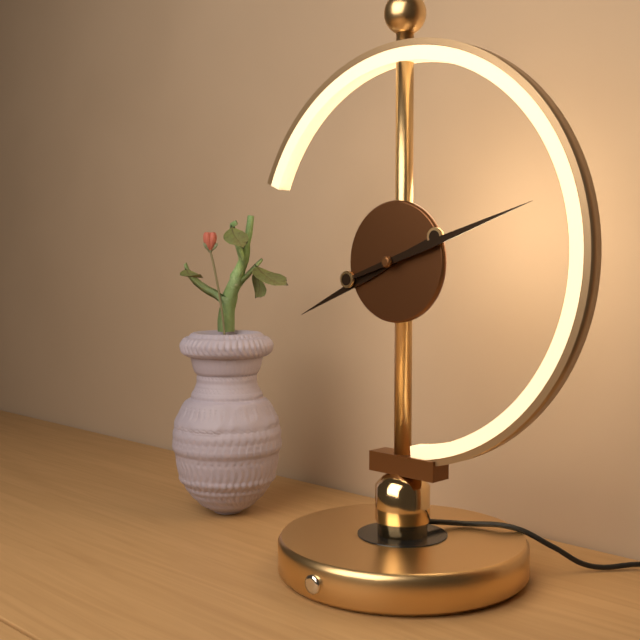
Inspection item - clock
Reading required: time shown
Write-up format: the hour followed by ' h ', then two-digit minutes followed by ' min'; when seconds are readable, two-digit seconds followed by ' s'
8 h 12 min
